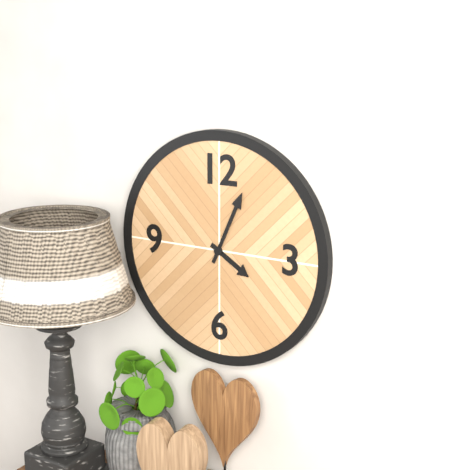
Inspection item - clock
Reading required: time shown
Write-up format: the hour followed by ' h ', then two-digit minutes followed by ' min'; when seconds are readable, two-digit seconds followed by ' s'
4 h 04 min
